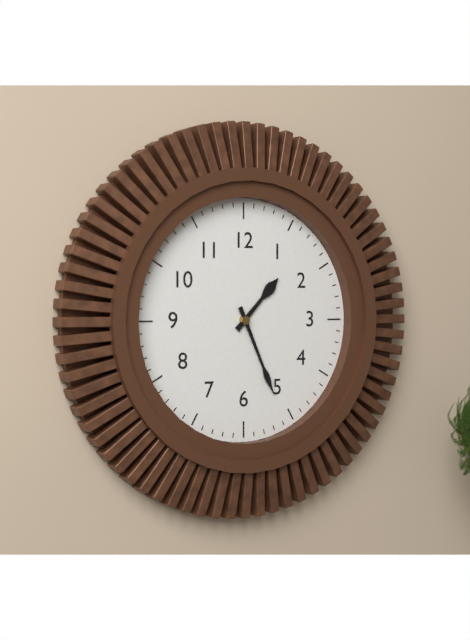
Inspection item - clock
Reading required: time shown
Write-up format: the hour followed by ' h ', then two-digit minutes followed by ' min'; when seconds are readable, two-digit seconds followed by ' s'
1 h 26 min
